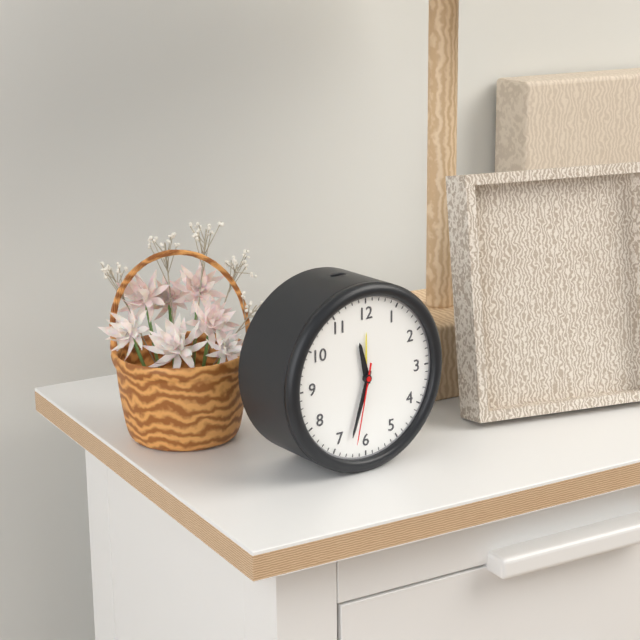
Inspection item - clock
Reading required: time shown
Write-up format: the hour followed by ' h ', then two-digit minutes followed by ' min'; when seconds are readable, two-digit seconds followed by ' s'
11 h 33 min 32 s
